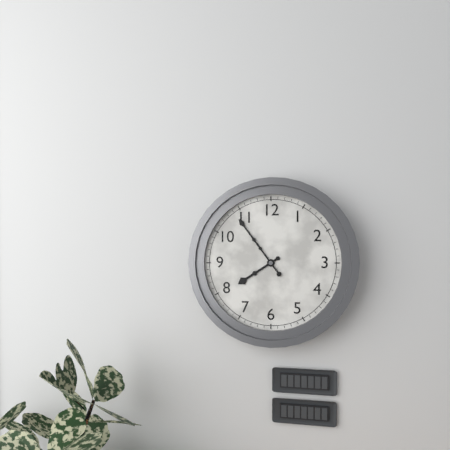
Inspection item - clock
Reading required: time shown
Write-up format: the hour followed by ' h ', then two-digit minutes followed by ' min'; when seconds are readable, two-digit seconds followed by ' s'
7 h 54 min
